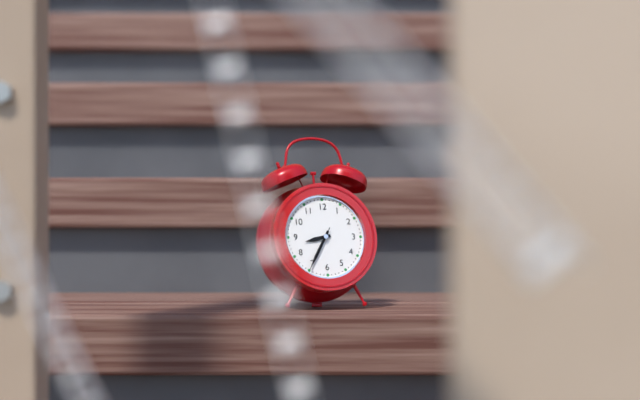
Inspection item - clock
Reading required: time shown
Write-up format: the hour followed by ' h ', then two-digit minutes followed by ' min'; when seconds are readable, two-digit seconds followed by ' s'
8 h 35 min
